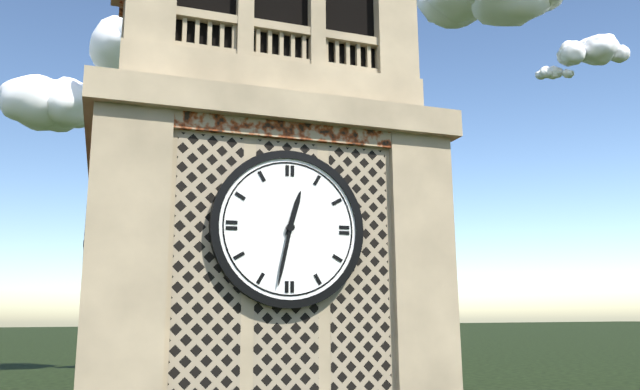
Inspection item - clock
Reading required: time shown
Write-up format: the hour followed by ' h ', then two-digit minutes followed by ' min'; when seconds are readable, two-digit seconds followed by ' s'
12 h 32 min
